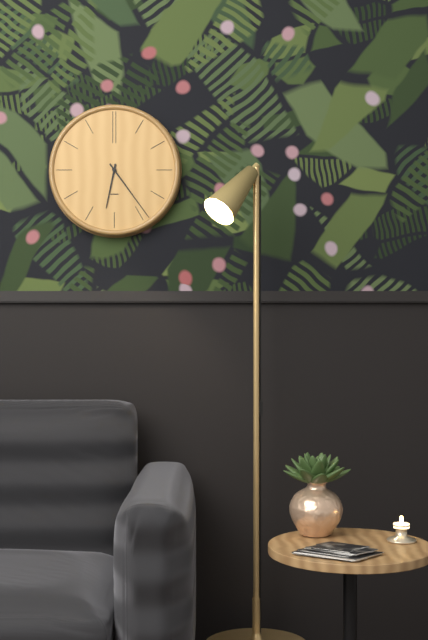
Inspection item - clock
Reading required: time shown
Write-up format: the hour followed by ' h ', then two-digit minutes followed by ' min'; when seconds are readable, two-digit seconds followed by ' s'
6 h 24 min
